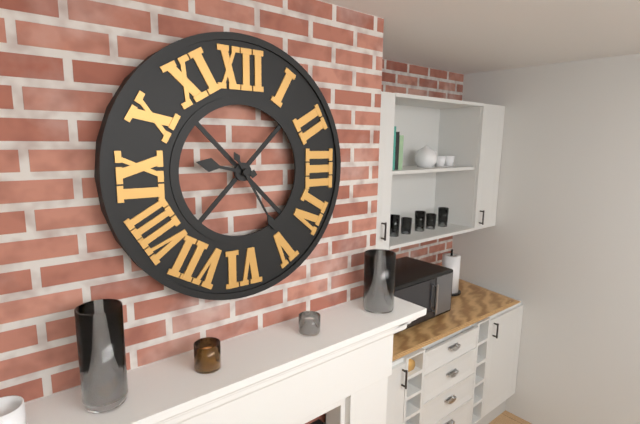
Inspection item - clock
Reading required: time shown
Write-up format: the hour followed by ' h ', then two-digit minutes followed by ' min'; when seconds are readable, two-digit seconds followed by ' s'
9 h 25 min
